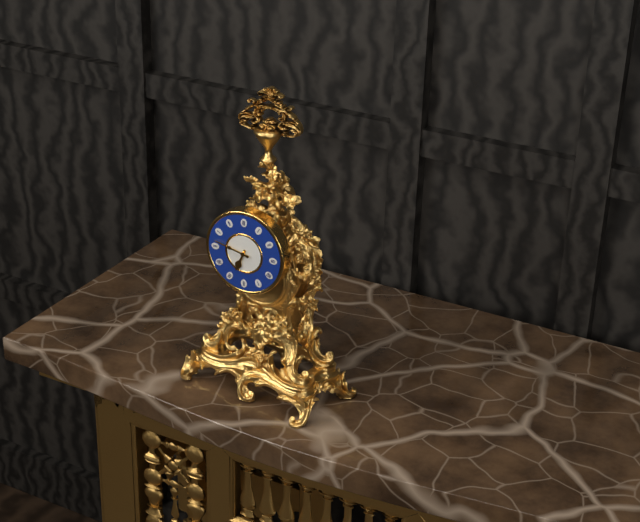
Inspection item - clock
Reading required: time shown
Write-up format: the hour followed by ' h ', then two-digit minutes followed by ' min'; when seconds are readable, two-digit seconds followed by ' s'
6 h 47 min
